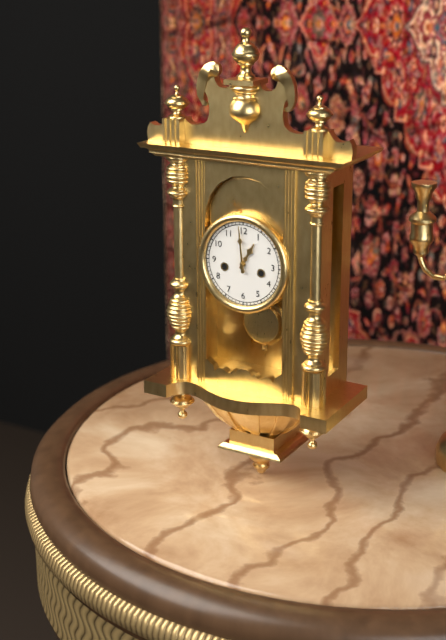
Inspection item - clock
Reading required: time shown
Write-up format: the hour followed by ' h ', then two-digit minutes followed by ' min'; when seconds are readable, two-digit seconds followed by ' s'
12 h 59 min
